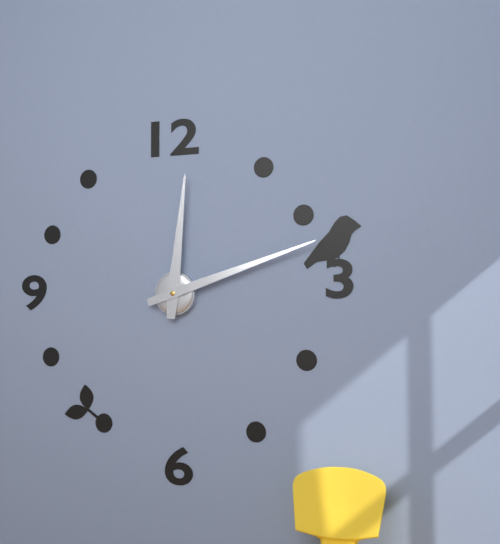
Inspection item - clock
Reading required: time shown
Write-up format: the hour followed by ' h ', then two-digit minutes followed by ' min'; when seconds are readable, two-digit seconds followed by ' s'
12 h 12 min
